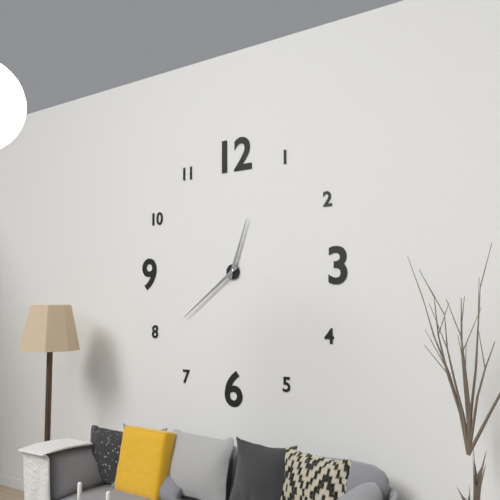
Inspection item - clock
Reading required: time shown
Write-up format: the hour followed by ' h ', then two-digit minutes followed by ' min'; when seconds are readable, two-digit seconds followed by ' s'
12 h 39 min
